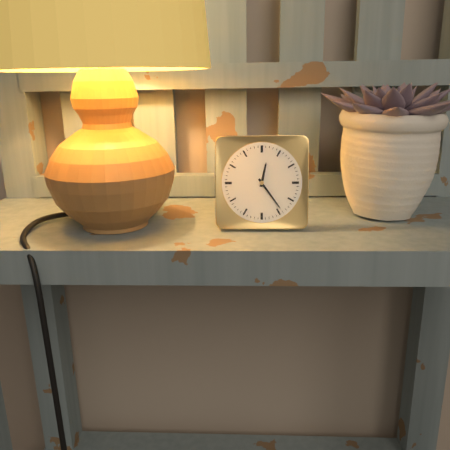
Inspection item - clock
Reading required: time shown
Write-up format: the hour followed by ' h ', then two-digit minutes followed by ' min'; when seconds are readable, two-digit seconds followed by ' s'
12 h 24 min
